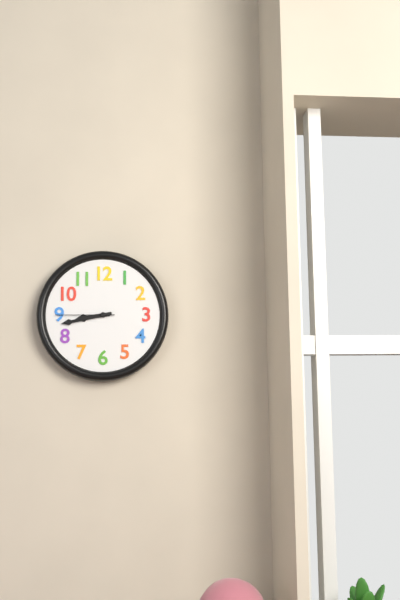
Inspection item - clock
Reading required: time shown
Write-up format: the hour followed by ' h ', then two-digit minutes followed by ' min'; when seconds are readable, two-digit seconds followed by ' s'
8 h 43 min 45 s
